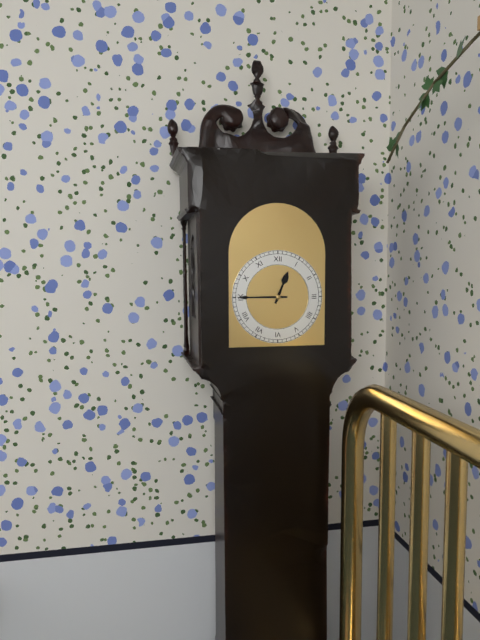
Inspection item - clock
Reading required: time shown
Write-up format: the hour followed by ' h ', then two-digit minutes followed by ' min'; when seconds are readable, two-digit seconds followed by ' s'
12 h 45 min
